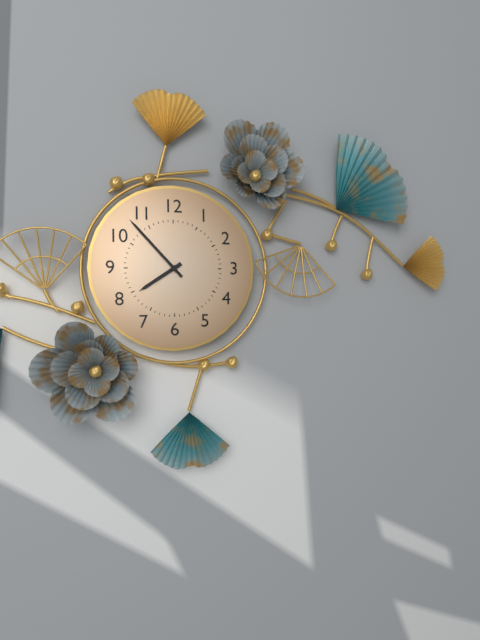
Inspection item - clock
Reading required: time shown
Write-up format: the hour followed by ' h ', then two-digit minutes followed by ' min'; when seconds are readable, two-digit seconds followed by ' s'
7 h 53 min
